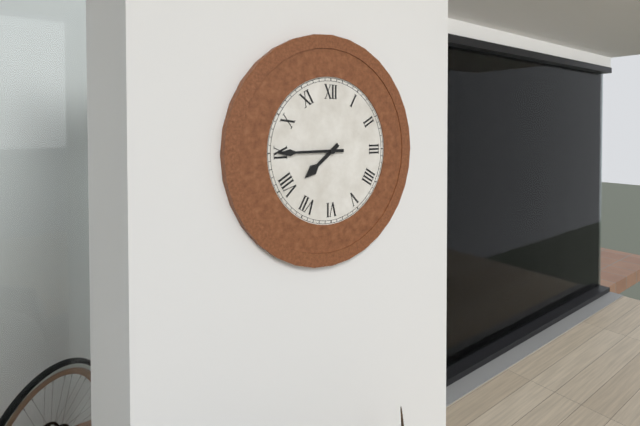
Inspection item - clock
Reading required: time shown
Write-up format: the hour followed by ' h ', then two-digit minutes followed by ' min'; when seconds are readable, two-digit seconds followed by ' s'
7 h 45 min
